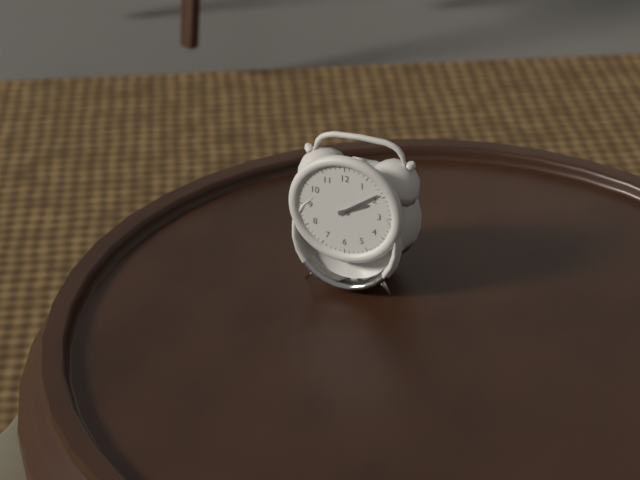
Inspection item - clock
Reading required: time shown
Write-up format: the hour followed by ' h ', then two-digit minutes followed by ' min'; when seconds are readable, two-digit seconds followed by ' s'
2 h 09 min
